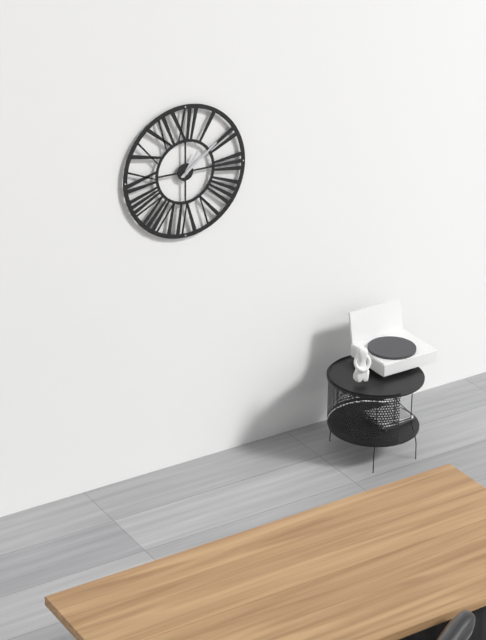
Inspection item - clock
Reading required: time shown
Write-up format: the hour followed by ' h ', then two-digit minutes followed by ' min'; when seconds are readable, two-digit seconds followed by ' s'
1 h 09 min
